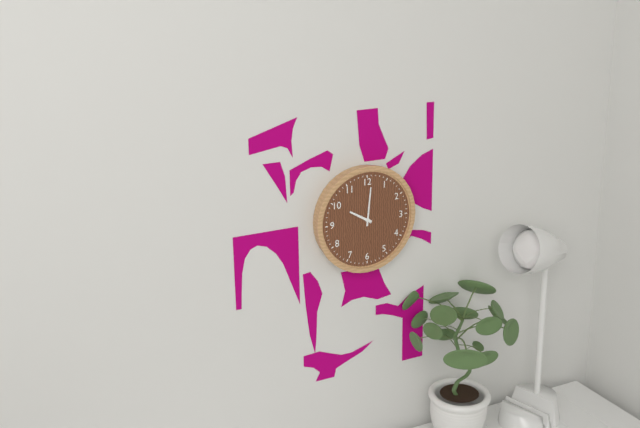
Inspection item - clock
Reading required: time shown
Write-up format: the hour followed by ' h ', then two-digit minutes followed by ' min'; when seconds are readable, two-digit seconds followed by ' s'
10 h 01 min
